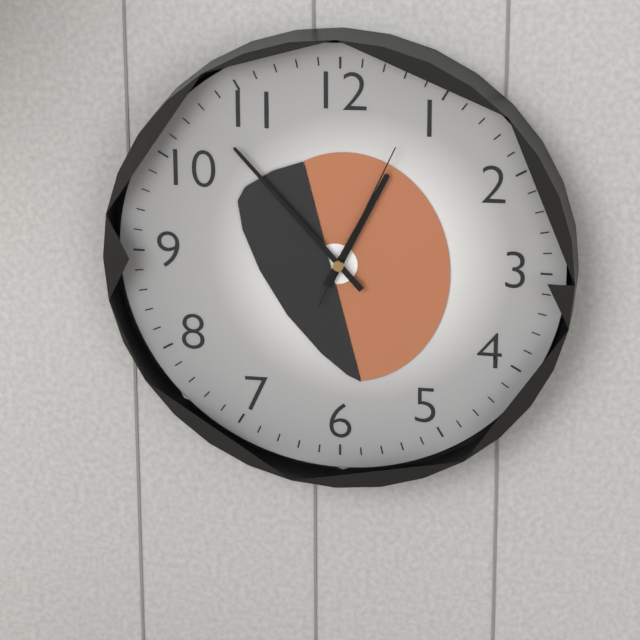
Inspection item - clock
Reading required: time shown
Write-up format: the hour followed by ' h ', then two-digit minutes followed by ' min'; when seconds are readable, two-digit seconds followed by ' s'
12 h 53 min 04 s
